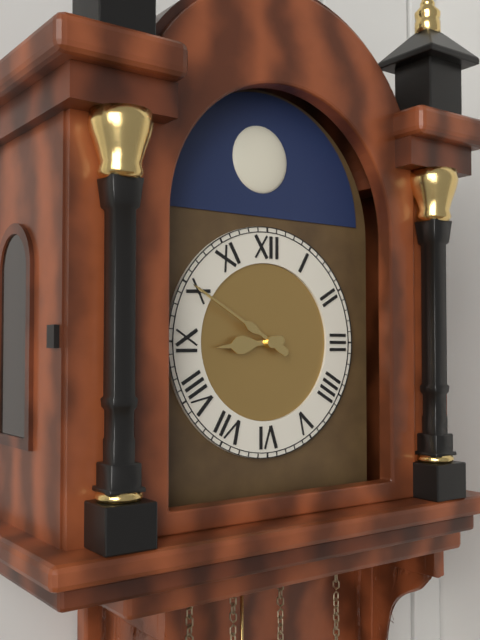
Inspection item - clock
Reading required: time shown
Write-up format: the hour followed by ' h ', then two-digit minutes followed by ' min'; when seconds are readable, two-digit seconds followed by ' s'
8 h 50 min
